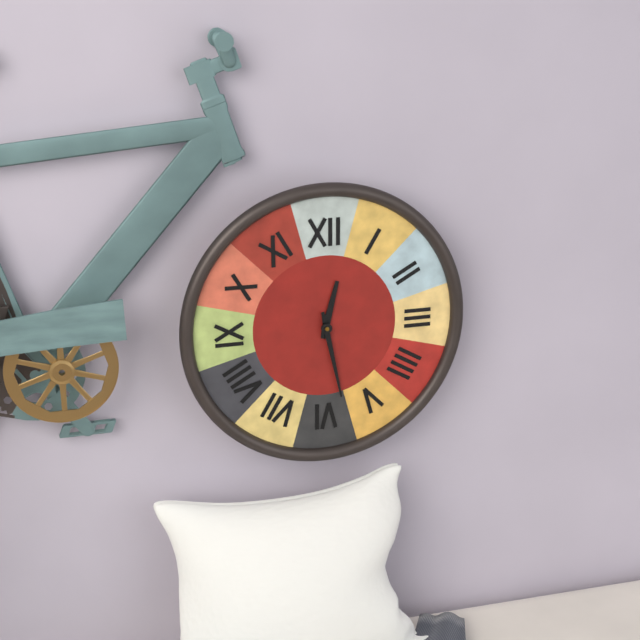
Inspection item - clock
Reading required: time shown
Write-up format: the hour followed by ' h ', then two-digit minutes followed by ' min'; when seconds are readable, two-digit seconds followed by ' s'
12 h 28 min
